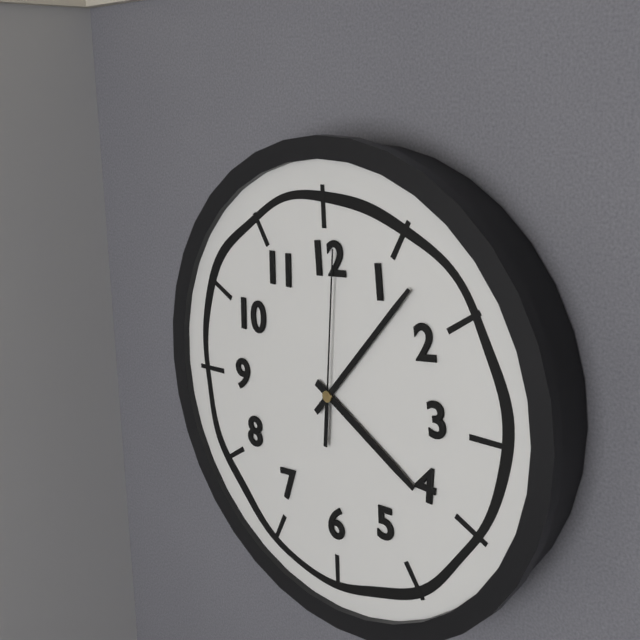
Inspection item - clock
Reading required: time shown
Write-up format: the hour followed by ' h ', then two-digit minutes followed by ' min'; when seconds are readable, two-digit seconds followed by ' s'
4 h 07 min 01 s
